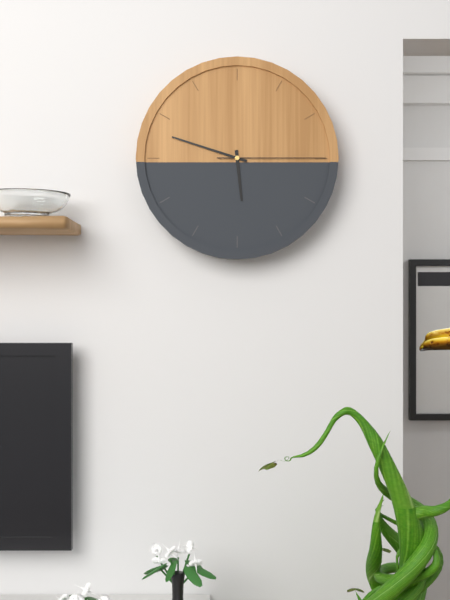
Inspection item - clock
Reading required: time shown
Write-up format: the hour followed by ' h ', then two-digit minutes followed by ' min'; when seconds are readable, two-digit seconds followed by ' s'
5 h 48 min 15 s
